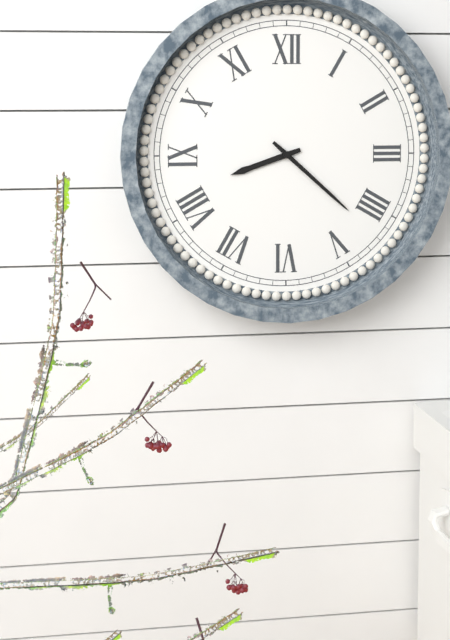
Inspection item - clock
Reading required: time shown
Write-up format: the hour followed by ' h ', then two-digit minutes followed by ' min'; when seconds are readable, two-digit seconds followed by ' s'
8 h 22 min
